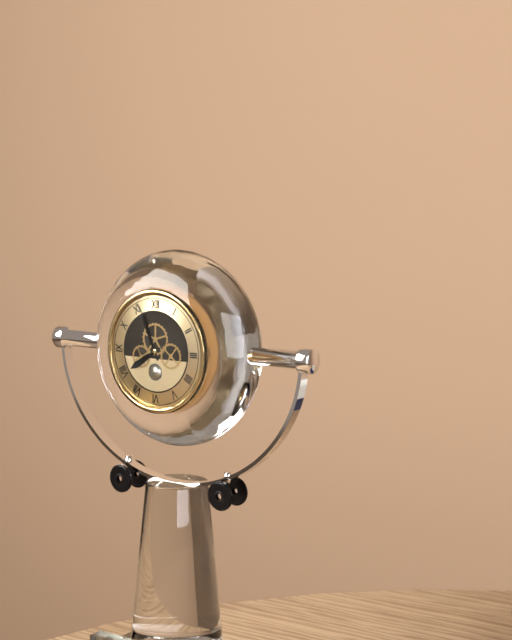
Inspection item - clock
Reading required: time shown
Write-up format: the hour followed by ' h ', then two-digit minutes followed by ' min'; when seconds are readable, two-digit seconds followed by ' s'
7 h 56 min
